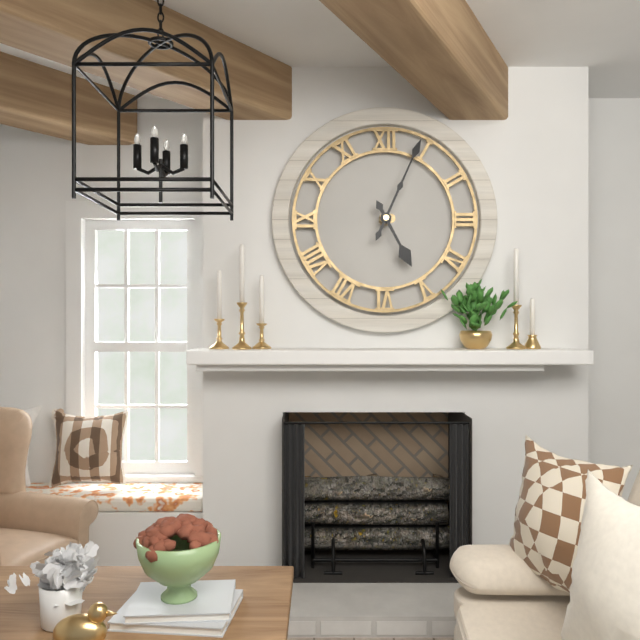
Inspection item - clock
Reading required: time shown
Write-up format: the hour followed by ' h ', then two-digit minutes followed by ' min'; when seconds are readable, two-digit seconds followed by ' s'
5 h 04 min
